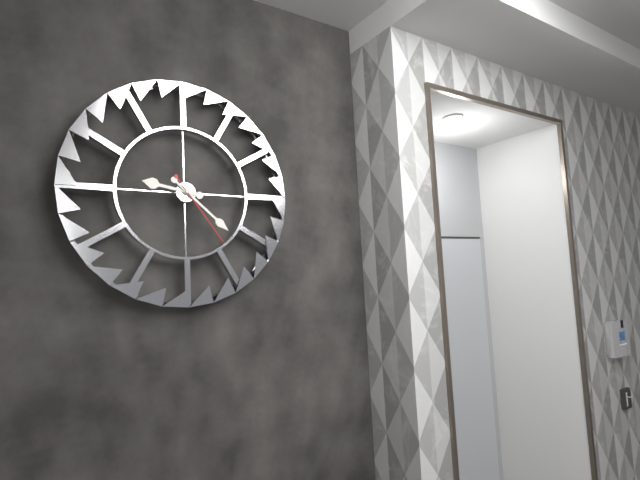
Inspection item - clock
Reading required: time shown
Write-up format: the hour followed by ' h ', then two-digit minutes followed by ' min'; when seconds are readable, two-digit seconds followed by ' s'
9 h 22 min 24 s
